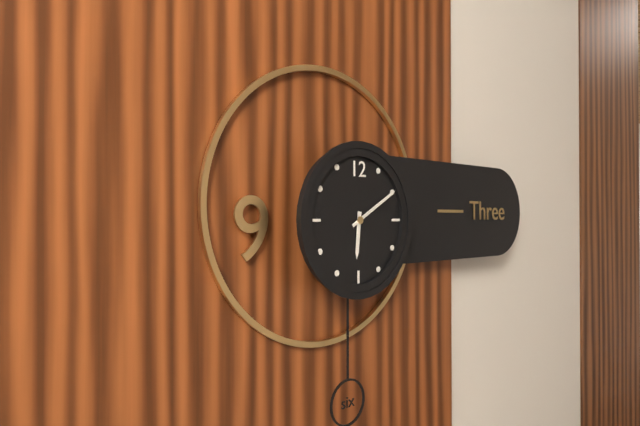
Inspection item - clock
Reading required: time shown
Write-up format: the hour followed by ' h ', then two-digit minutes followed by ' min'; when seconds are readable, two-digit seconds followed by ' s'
6 h 10 min
